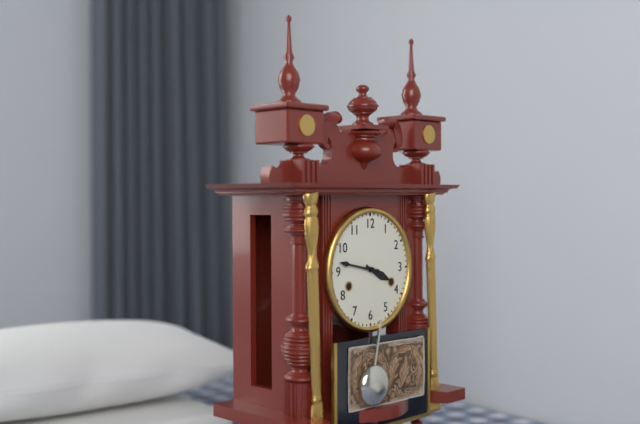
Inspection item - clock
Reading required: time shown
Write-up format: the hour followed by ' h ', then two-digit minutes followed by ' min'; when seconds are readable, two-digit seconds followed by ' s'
3 h 47 min
